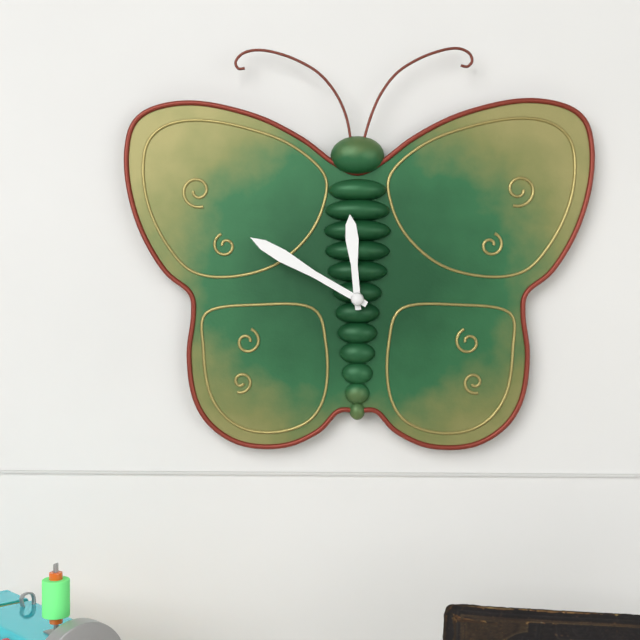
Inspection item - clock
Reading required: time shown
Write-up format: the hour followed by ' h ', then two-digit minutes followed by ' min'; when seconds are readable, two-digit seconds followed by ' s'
11 h 50 min
